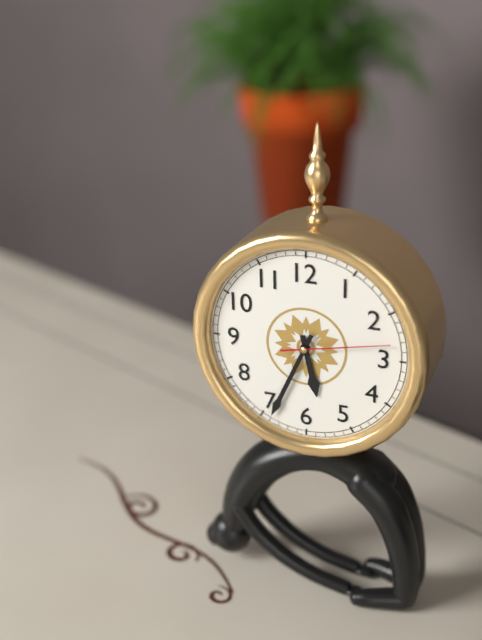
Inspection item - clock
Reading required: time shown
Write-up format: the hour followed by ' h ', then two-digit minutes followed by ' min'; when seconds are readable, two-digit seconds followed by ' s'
5 h 34 min 13 s
